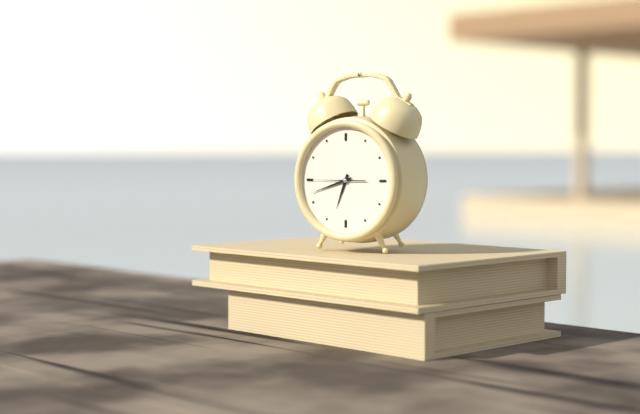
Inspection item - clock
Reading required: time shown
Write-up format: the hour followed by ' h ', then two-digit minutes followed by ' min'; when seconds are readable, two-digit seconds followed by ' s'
6 h 42 min 45 s
